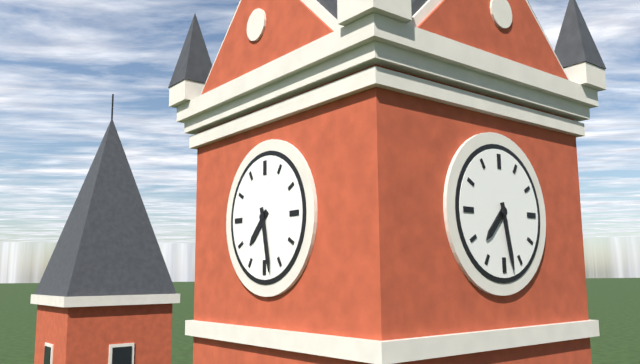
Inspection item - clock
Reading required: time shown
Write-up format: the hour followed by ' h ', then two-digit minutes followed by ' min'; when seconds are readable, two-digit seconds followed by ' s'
7 h 28 min
